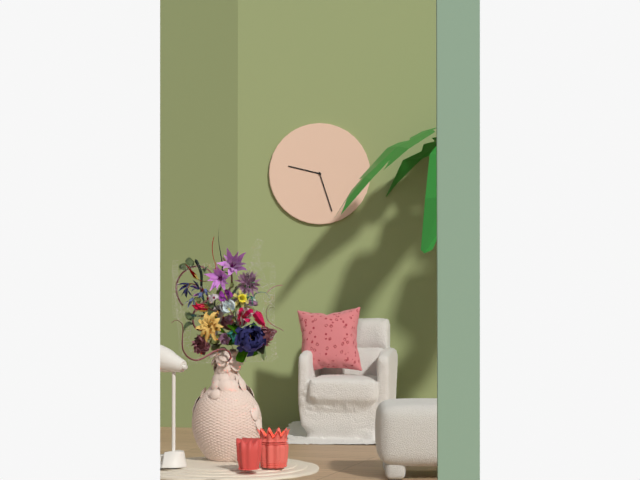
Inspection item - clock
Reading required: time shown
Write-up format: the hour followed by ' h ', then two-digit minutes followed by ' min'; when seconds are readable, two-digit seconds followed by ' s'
9 h 27 min
